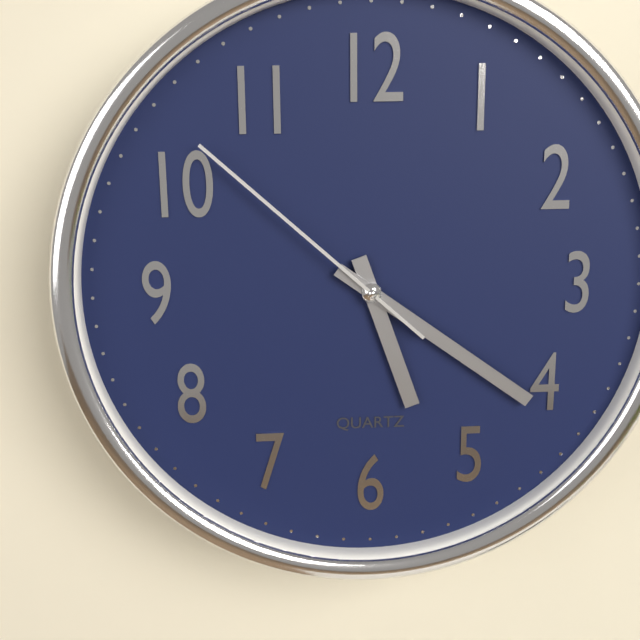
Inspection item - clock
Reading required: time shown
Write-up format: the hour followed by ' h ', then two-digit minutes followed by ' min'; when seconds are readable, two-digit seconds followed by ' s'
5 h 21 min 52 s
